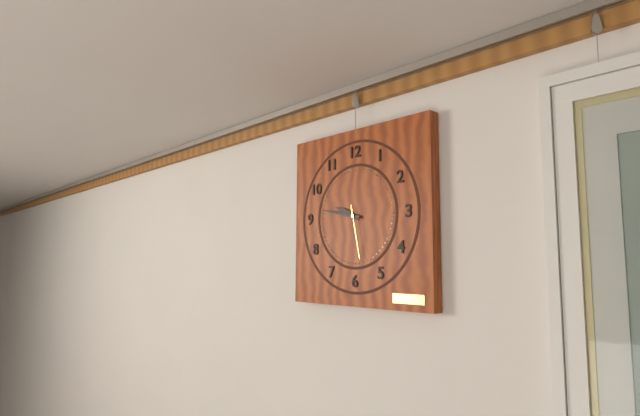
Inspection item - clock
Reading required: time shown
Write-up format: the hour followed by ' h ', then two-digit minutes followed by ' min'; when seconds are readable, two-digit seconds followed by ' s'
9 h 47 min 28 s
